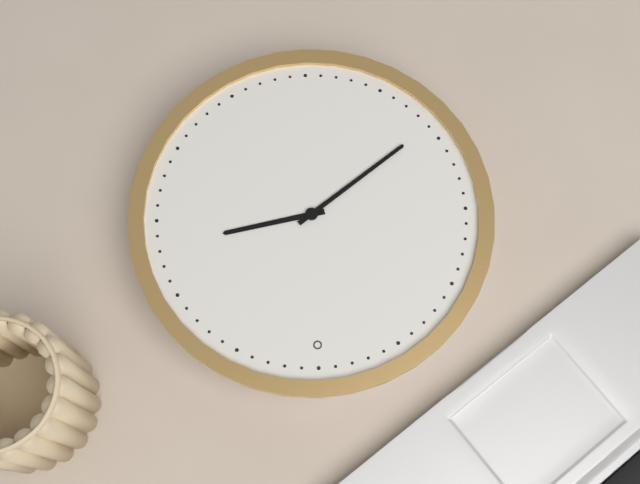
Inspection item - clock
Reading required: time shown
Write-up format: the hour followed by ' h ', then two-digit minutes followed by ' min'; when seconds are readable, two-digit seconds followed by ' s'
2 h 39 min
